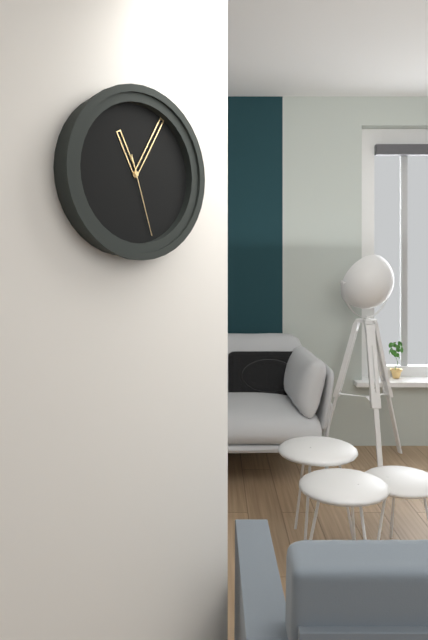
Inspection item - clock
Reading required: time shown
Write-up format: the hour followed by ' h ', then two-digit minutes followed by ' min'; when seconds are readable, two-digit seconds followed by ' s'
11 h 05 min 27 s
